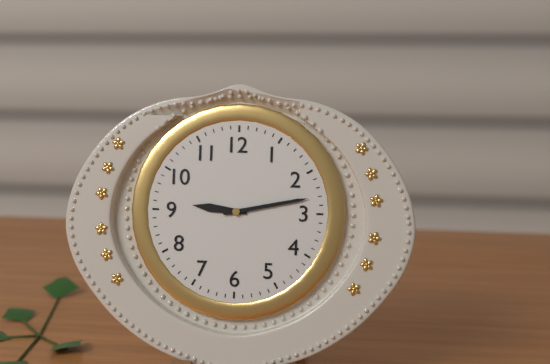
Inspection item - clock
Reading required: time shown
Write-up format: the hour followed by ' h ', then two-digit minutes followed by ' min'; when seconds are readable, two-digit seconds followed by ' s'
9 h 13 min
